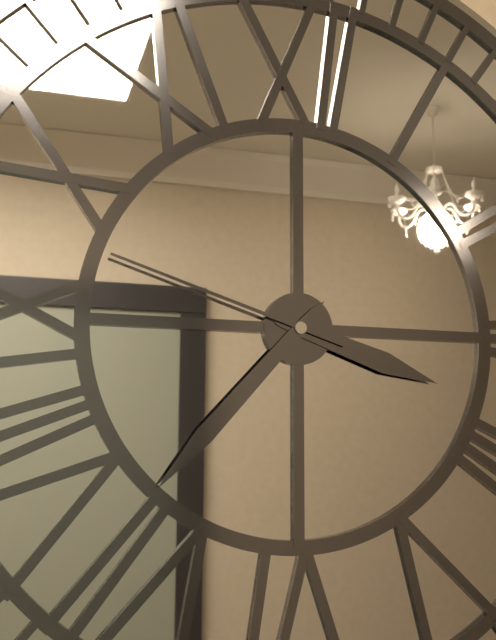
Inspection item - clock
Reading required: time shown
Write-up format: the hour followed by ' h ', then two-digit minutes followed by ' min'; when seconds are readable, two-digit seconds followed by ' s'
3 h 37 min 48 s
